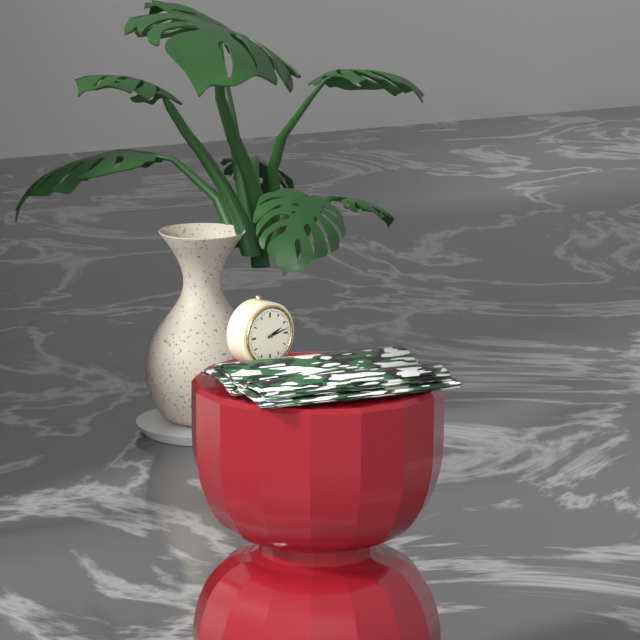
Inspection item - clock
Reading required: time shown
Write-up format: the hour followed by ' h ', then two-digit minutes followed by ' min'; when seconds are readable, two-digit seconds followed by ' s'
2 h 13 min
